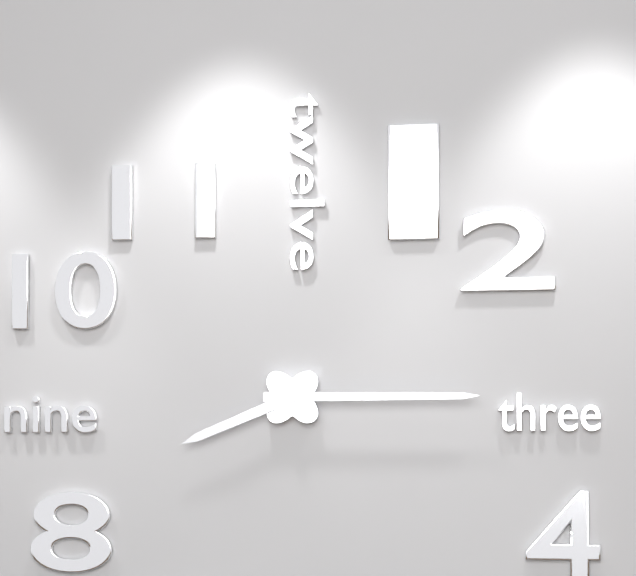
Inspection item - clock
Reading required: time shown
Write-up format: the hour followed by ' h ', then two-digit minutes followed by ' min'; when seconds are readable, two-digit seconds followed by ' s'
8 h 15 min
